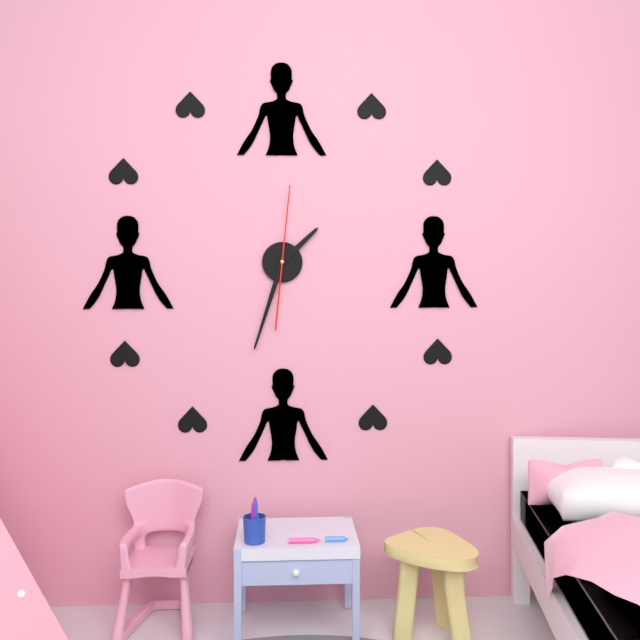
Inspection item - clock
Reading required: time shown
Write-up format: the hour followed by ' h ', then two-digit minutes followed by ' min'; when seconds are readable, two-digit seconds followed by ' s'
1 h 33 min 01 s
